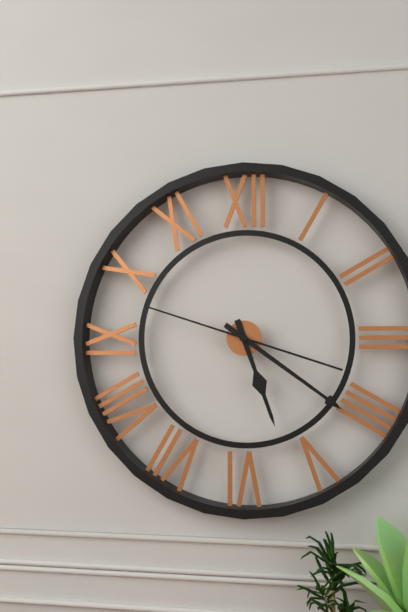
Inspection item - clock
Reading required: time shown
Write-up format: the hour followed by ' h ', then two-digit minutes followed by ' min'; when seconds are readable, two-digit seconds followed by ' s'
5 h 21 min 48 s
